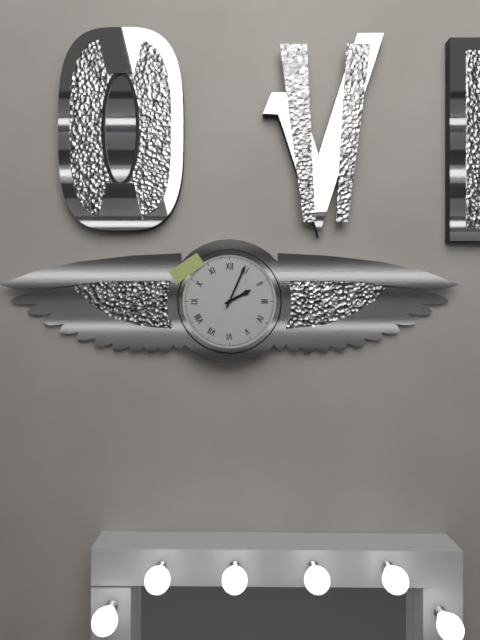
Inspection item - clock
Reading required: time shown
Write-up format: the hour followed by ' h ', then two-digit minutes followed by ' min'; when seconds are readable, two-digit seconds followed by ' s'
2 h 04 min
